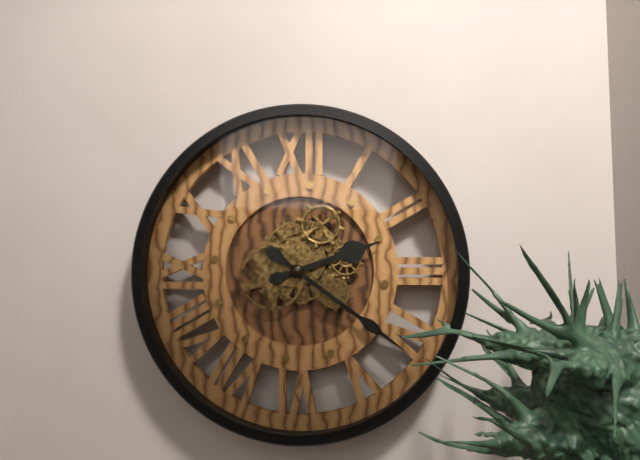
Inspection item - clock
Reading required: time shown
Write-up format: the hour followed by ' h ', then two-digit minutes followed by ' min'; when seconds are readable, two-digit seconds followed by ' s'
2 h 21 min
